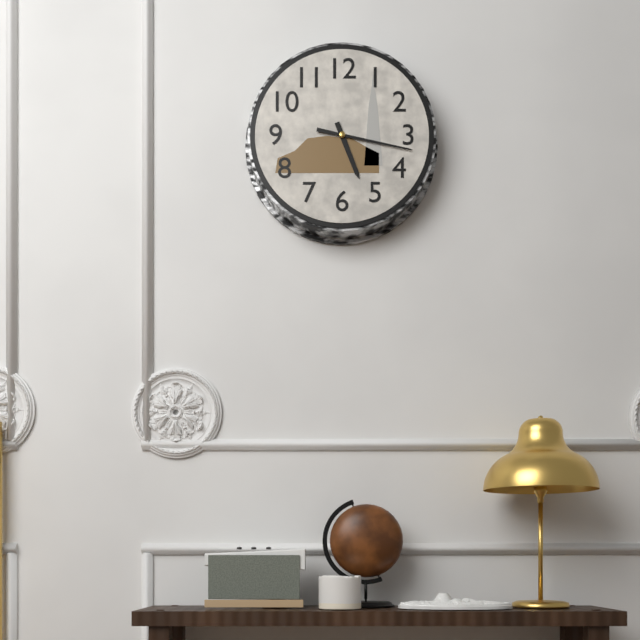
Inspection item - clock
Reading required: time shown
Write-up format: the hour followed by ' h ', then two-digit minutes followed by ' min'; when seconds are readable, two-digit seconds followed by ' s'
5 h 17 min
